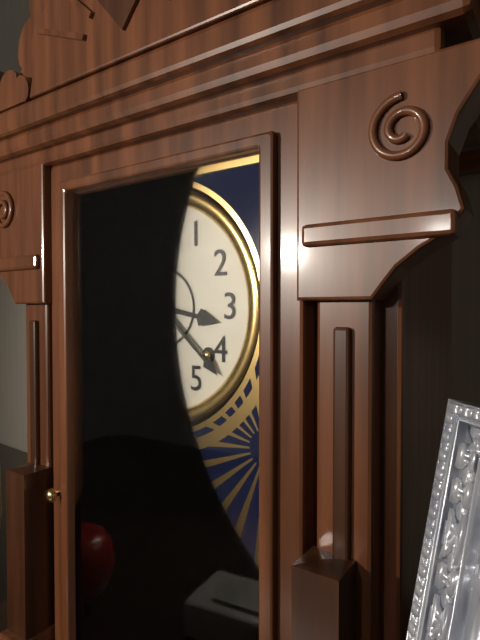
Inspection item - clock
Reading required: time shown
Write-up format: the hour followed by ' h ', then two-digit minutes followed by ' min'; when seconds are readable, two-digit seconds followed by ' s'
3 h 22 min
